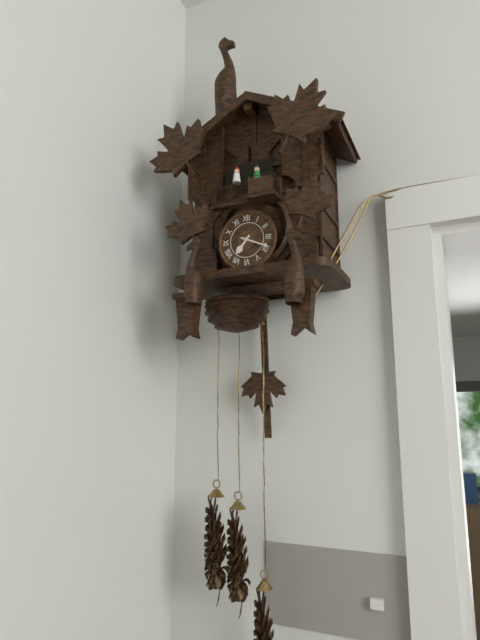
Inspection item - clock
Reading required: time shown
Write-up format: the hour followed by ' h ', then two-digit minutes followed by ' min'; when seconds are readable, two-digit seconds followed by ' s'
7 h 19 min
